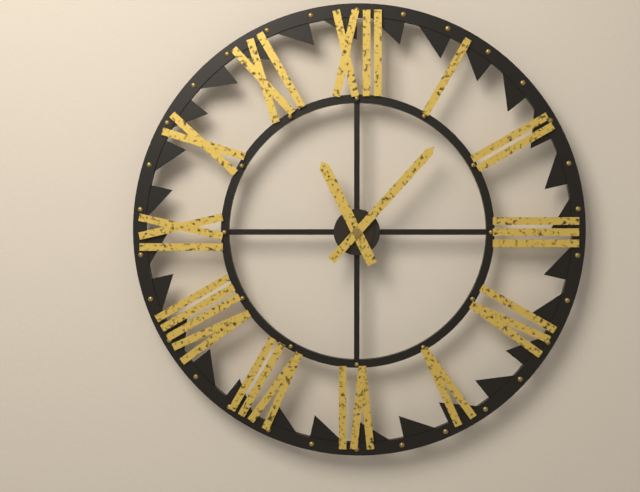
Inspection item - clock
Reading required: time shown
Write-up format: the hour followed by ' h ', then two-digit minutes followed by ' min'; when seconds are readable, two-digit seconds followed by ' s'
11 h 07 min
